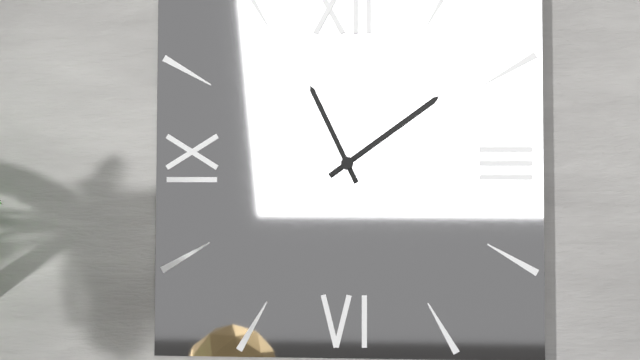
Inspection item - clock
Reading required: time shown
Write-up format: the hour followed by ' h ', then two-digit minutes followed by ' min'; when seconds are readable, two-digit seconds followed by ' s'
11 h 09 min
